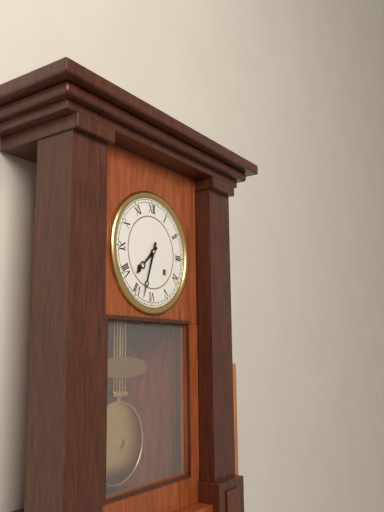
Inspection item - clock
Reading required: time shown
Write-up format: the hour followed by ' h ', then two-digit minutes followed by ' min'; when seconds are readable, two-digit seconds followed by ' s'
7 h 33 min
